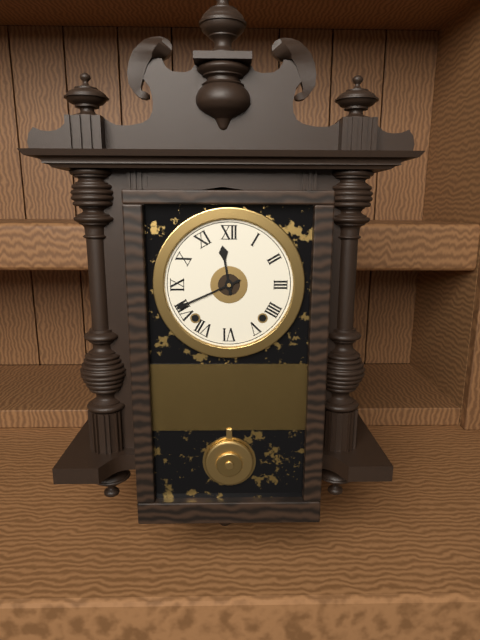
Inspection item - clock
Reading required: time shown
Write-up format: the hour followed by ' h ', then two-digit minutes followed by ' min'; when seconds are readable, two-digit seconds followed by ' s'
11 h 41 min
